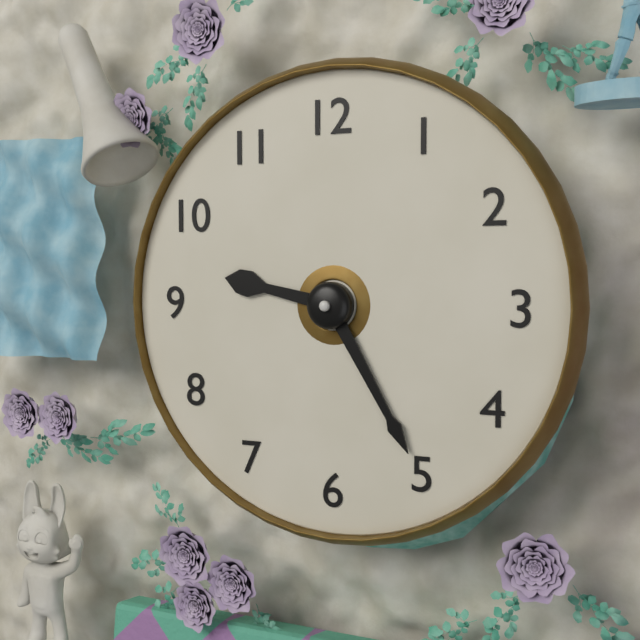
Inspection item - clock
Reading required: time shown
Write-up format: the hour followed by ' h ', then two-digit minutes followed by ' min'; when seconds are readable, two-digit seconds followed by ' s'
9 h 25 min
